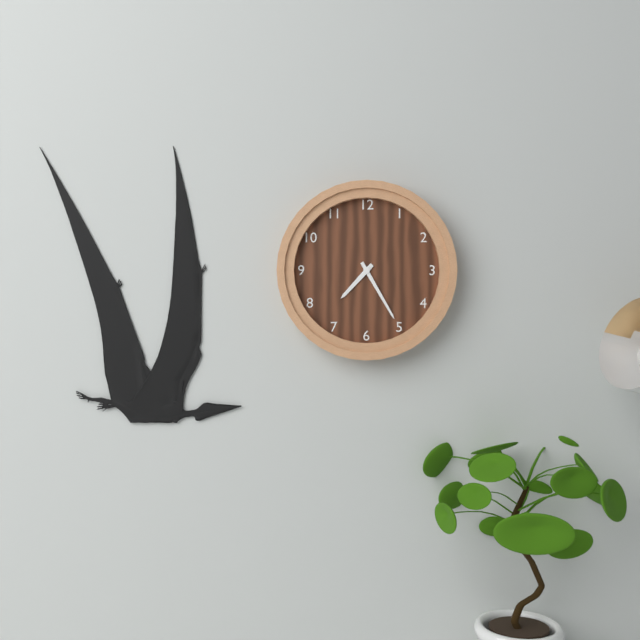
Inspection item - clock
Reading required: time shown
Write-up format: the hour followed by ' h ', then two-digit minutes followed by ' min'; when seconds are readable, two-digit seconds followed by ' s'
7 h 25 min
